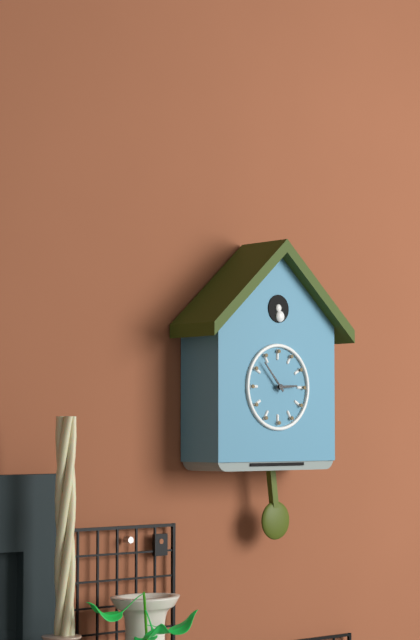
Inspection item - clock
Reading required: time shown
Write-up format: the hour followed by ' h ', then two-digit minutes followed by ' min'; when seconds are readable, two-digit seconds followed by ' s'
2 h 53 min
